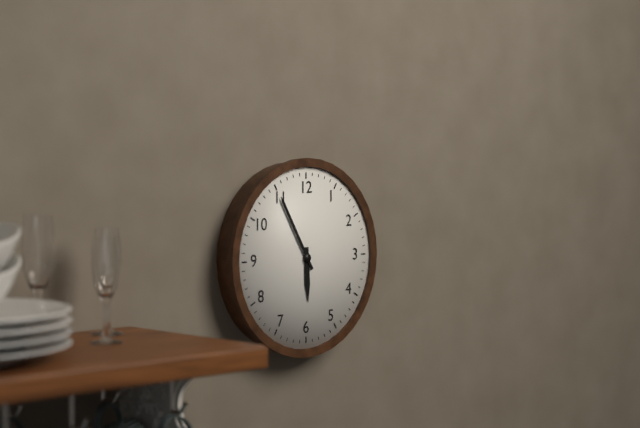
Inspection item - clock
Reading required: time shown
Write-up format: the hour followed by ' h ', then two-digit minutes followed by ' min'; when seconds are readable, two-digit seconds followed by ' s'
5 h 55 min
